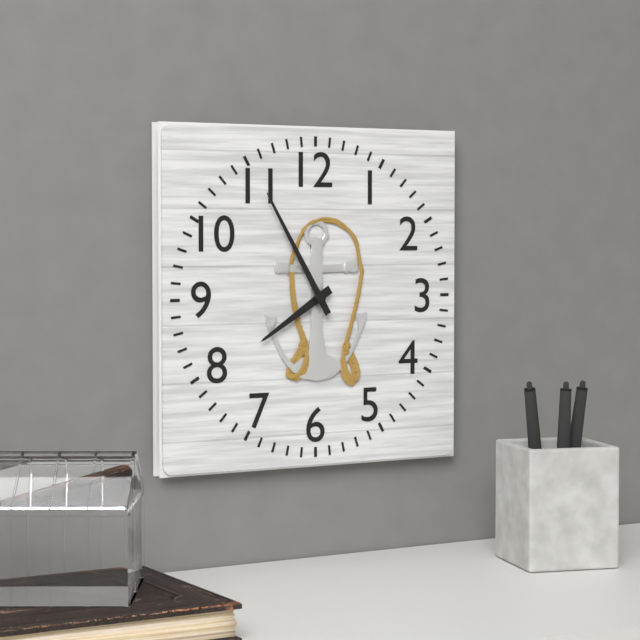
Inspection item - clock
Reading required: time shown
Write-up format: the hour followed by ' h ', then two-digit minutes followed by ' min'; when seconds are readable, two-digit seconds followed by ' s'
7 h 55 min
